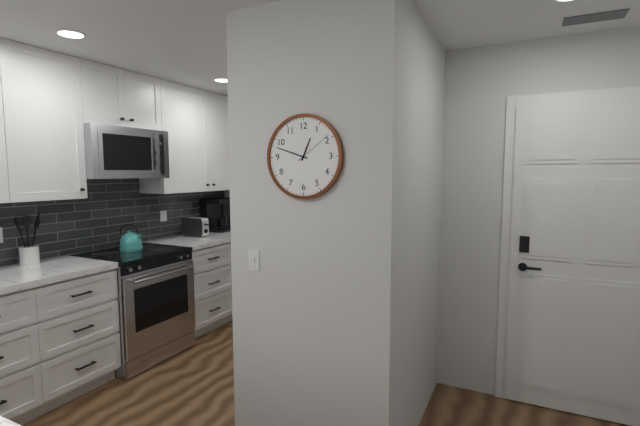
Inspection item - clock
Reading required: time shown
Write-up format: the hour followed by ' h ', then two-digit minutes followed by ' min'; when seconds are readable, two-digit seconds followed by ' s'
12 h 48 min
